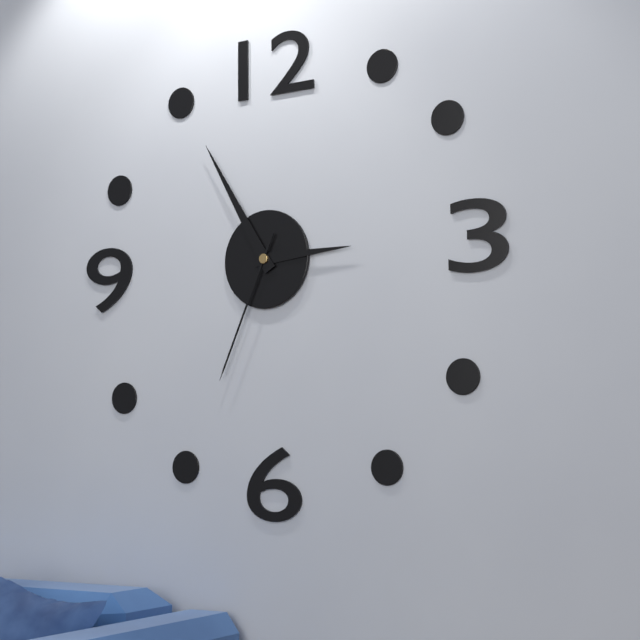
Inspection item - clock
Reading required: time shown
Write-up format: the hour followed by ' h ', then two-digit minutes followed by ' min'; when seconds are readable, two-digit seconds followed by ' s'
2 h 55 min 34 s
